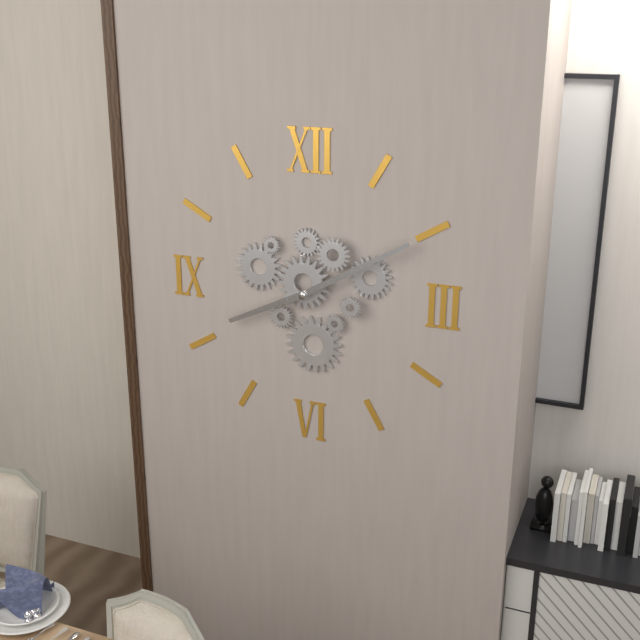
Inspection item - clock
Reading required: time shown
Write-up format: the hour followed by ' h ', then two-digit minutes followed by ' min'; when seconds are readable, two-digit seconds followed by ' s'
8 h 10 min
